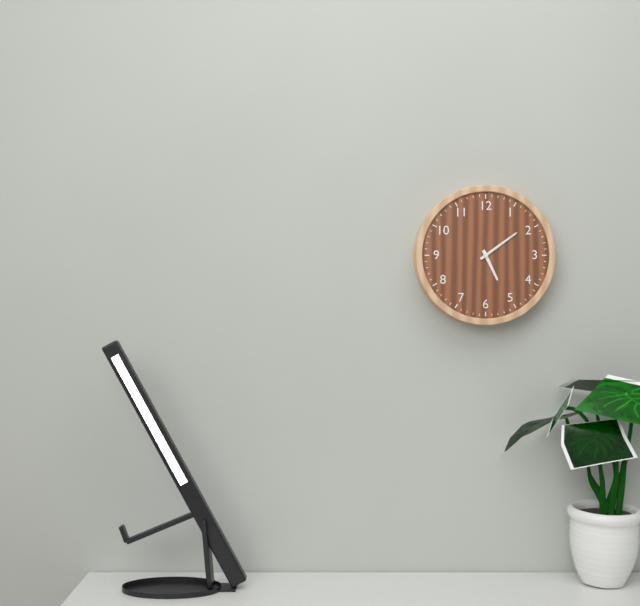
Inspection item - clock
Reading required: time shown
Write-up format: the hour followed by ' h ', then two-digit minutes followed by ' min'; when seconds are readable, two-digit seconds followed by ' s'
5 h 09 min
